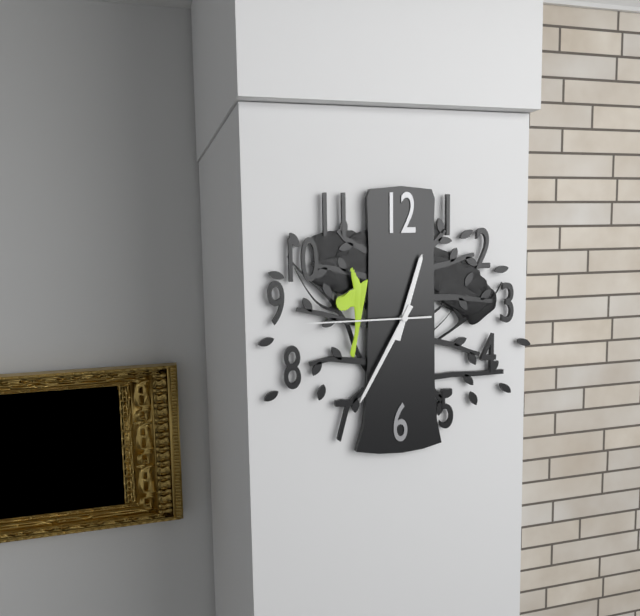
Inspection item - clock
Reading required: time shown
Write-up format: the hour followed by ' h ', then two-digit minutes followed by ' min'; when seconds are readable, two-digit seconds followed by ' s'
12 h 35 min 45 s
